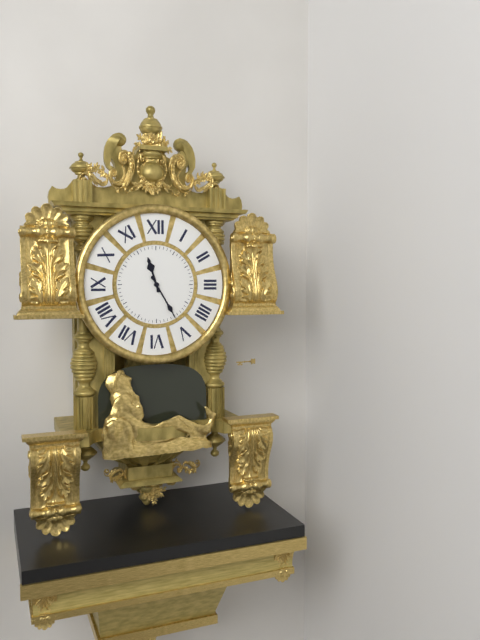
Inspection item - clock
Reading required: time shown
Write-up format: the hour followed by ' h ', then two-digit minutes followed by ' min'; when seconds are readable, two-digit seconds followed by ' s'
11 h 25 min
